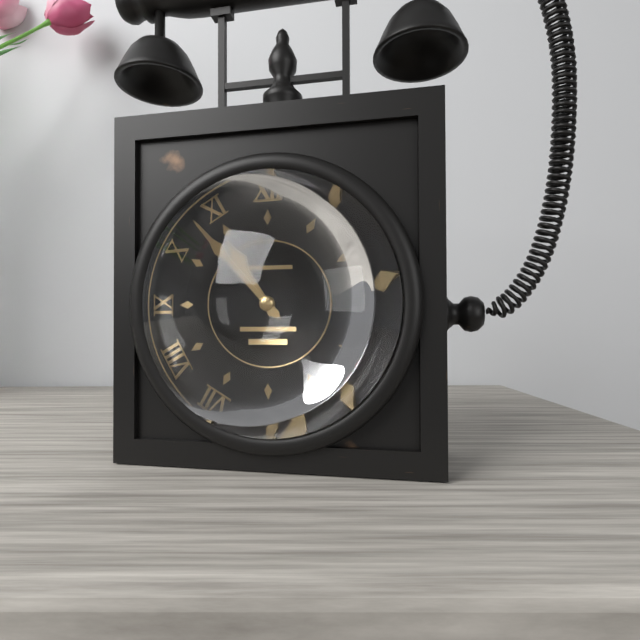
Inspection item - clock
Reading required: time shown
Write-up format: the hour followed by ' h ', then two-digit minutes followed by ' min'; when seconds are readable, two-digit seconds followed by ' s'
10 h 53 min
